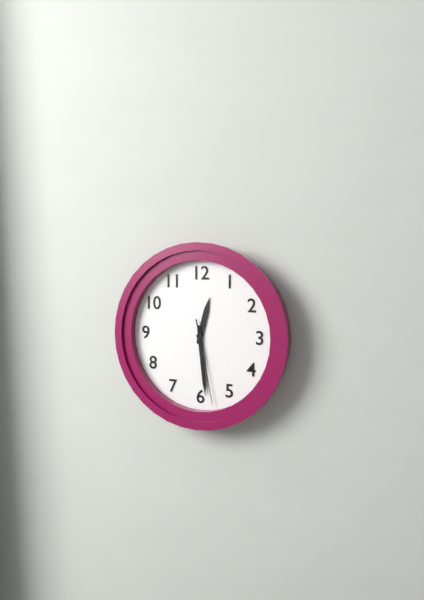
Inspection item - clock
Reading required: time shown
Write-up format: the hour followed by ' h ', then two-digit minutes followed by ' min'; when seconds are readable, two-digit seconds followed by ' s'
12 h 29 min 28 s
